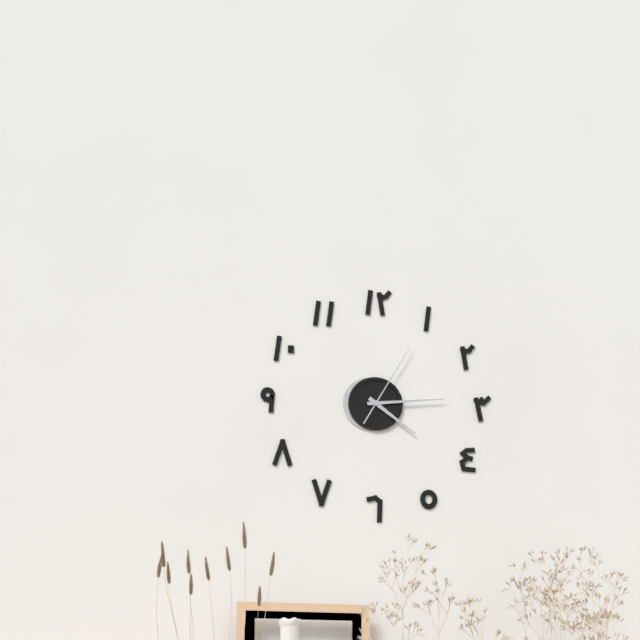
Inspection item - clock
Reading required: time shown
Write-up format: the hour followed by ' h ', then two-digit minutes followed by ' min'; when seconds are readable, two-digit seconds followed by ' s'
4 h 14 min 05 s
